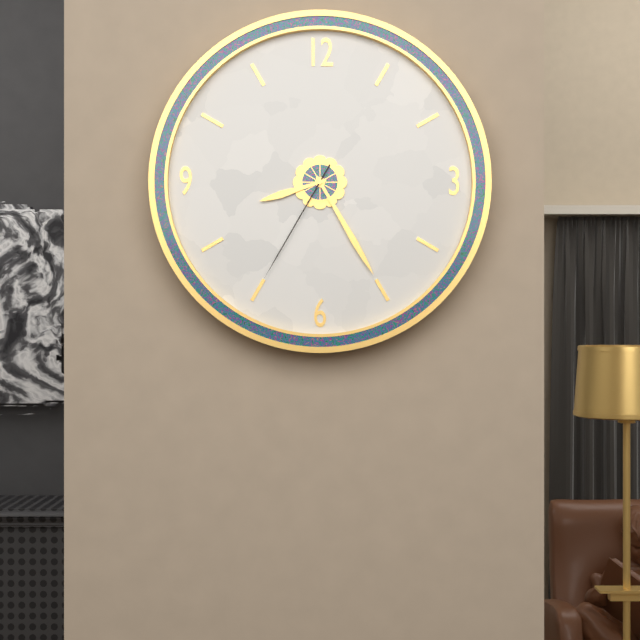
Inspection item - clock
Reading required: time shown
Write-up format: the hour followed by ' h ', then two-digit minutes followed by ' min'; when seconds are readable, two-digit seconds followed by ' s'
8 h 25 min 35 s
